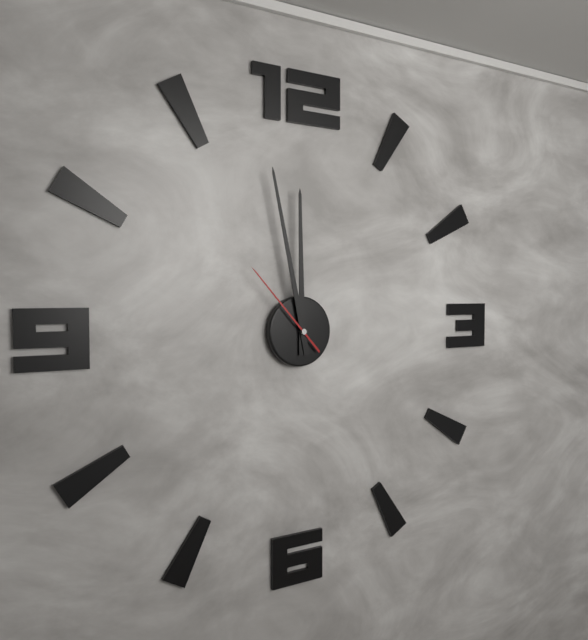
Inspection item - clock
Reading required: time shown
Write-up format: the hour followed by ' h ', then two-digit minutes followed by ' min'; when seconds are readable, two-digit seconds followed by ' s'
11 h 58 min 53 s
